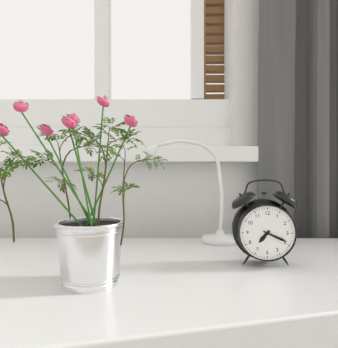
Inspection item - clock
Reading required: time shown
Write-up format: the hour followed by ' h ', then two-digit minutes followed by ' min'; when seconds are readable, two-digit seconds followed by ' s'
7 h 19 min
